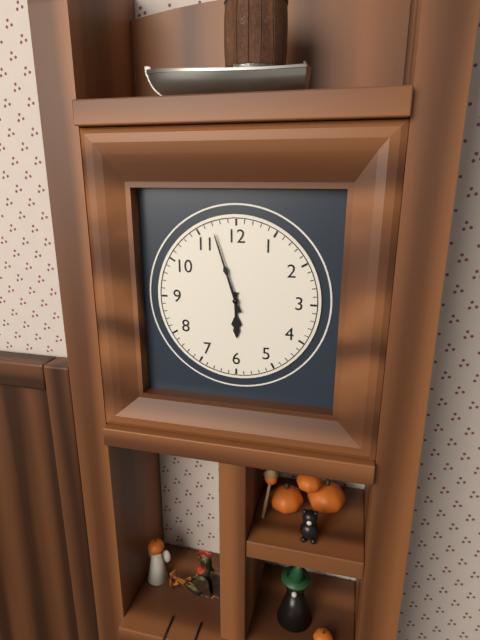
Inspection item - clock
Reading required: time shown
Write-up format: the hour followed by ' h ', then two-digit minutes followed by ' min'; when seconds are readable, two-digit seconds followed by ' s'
5 h 57 min
